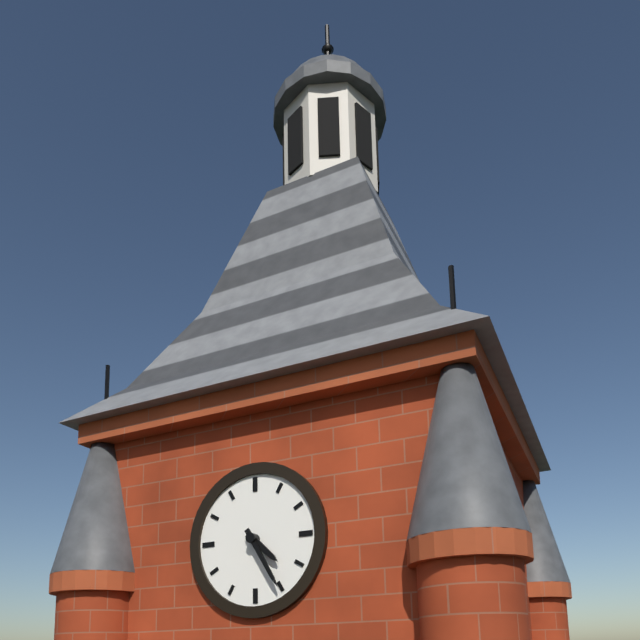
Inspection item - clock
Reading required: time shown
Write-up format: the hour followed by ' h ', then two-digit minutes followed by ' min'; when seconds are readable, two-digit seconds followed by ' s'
4 h 25 min
